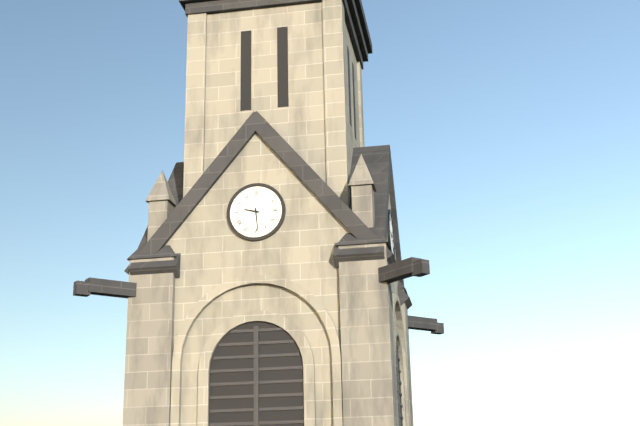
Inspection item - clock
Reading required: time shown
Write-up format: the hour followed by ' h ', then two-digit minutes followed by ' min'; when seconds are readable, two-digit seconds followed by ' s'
9 h 29 min
